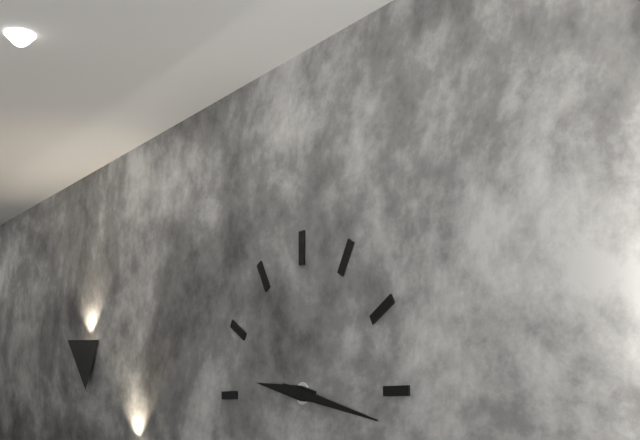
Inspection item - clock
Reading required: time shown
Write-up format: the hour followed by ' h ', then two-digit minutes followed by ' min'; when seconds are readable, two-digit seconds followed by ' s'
9 h 17 min
